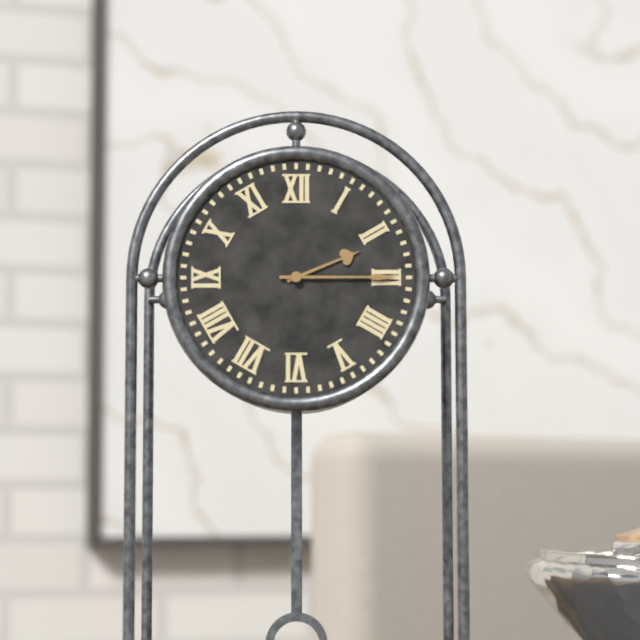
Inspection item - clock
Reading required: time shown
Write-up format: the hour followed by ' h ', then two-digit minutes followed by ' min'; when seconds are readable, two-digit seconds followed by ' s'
2 h 15 min
